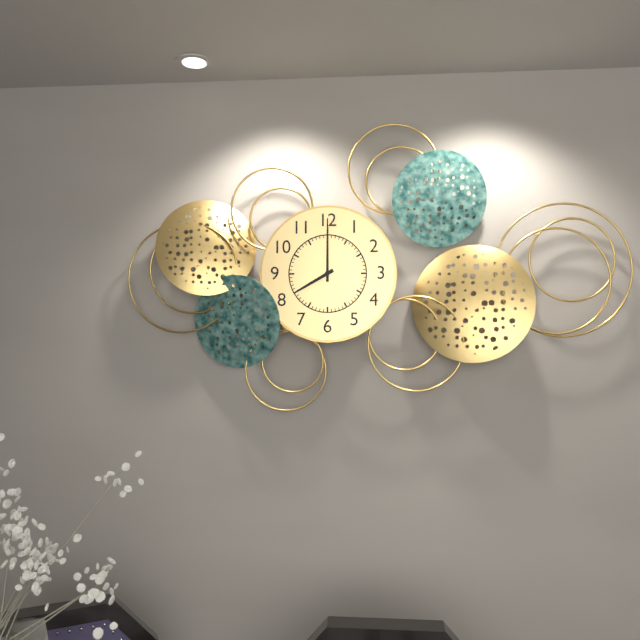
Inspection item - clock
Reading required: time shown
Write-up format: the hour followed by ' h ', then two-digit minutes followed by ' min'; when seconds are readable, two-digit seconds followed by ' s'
8 h 00 min
